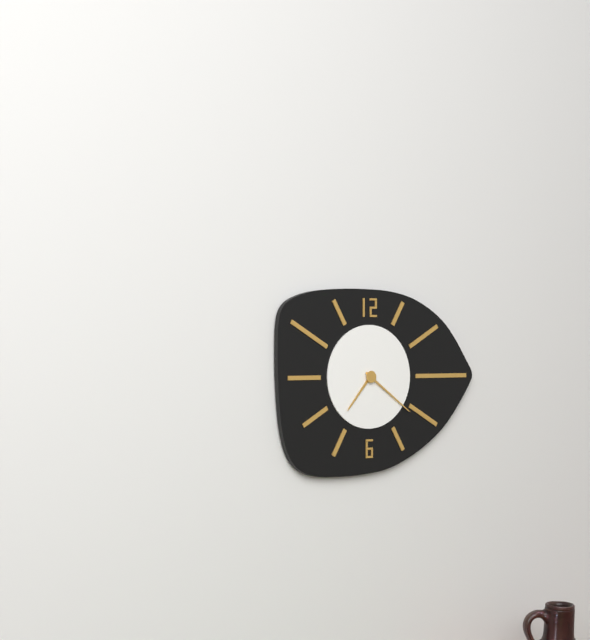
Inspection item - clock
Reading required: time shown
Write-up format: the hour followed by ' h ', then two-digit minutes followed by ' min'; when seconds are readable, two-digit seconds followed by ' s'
7 h 21 min
